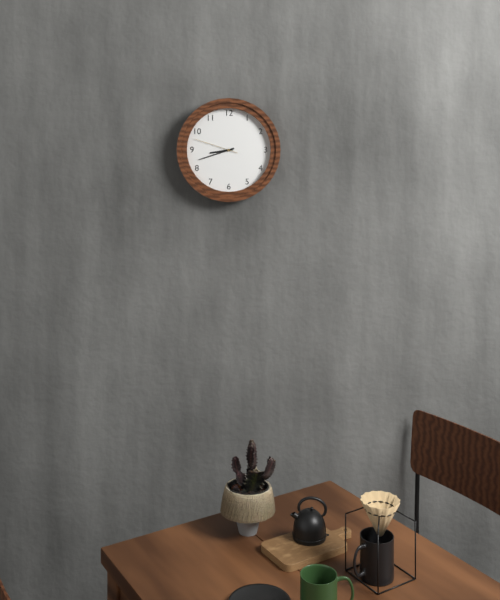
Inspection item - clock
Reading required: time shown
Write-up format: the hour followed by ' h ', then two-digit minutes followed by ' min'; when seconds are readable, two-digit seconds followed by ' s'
8 h 42 min
